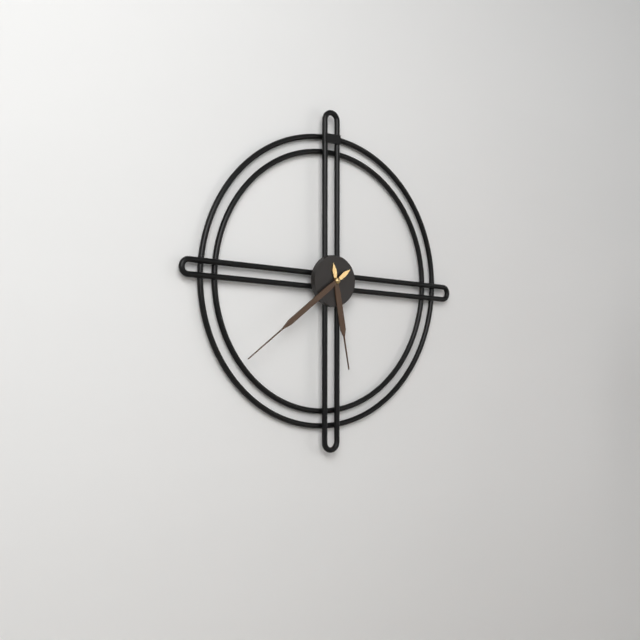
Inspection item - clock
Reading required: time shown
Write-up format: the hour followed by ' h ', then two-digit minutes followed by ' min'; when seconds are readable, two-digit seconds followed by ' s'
5 h 39 min
